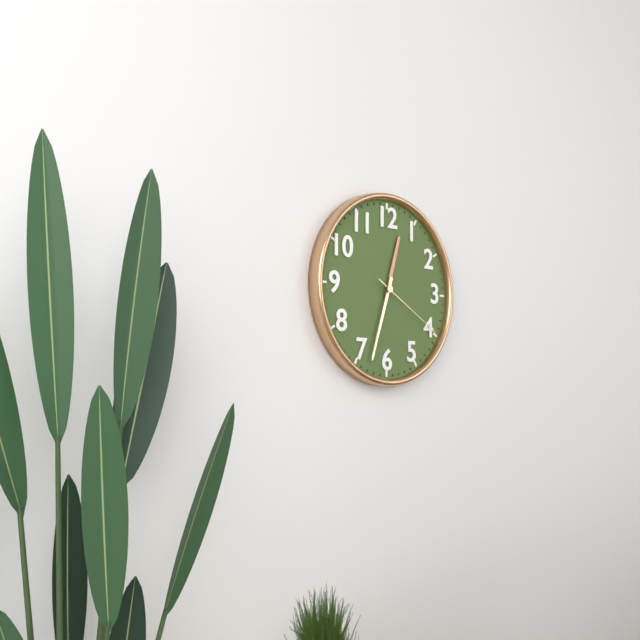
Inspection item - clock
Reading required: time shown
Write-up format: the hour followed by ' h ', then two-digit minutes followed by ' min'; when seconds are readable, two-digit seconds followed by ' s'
12 h 33 min 20 s
